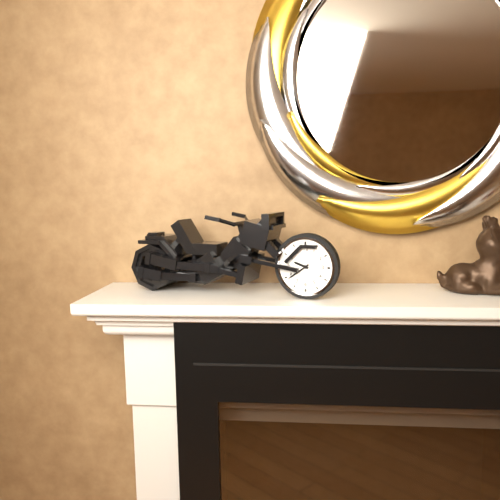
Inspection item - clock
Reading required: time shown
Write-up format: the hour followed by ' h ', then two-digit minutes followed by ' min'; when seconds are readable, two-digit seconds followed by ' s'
9 h 39 min
